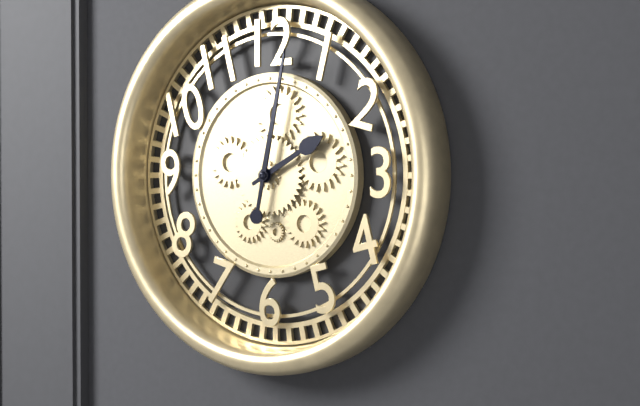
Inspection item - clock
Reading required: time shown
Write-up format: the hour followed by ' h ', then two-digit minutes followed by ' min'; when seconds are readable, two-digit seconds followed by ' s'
2 h 02 min
